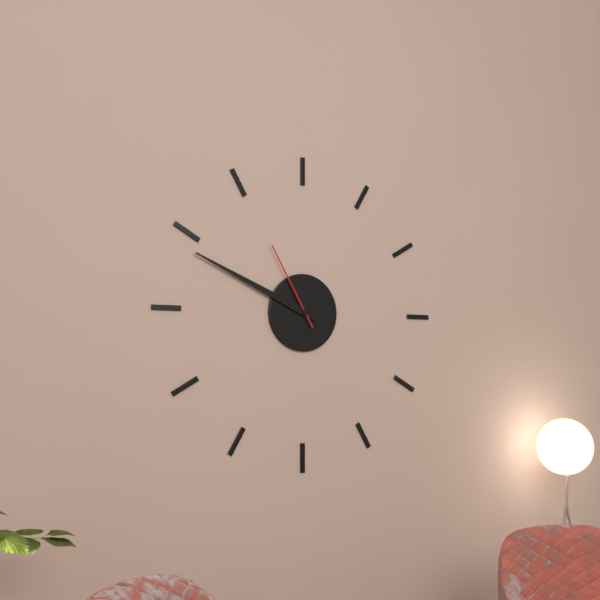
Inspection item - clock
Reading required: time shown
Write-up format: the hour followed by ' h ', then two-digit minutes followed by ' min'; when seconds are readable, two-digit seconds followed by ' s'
9 h 49 min 55 s
